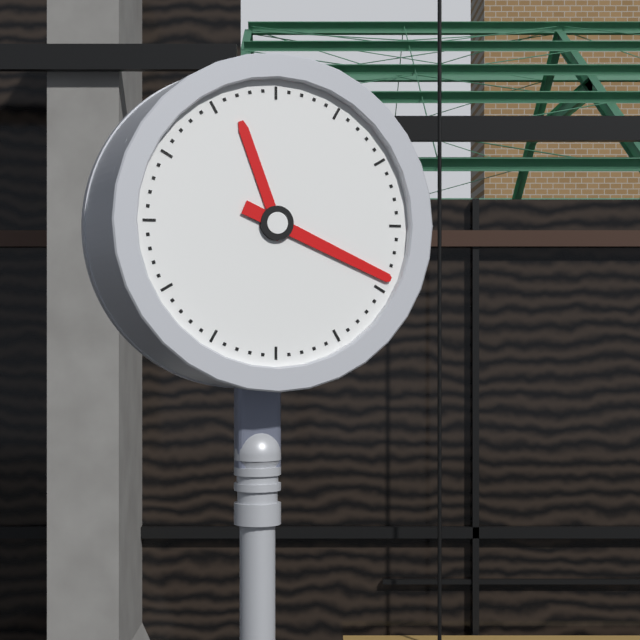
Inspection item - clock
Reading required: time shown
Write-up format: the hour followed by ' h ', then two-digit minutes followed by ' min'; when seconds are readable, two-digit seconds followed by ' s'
11 h 19 min
